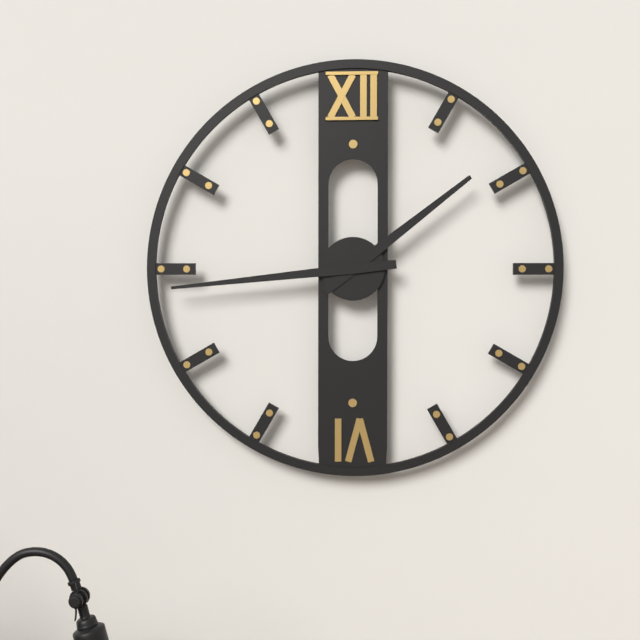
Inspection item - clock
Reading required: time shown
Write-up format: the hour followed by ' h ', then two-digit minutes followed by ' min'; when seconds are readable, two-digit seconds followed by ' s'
1 h 44 min
